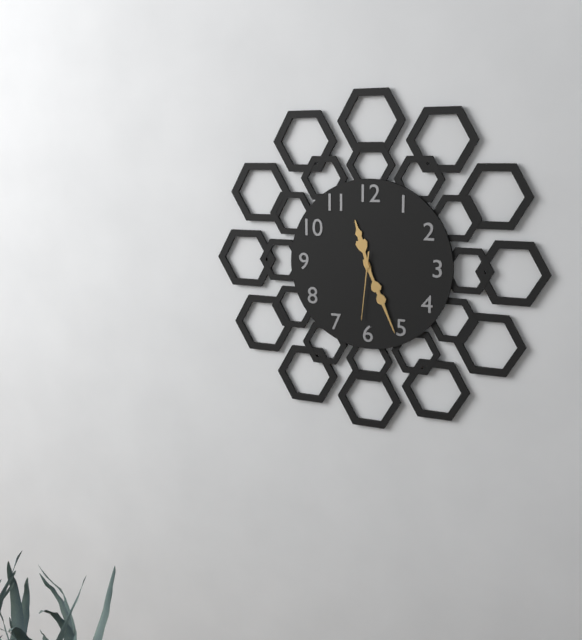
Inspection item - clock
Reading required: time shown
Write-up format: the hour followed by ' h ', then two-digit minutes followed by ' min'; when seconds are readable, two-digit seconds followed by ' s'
11 h 26 min 31 s
